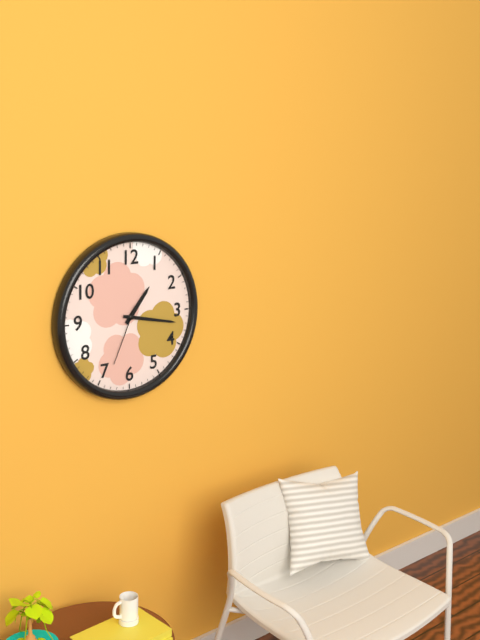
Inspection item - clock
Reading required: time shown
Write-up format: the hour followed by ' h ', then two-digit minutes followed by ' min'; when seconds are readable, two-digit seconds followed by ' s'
1 h 17 min 34 s
